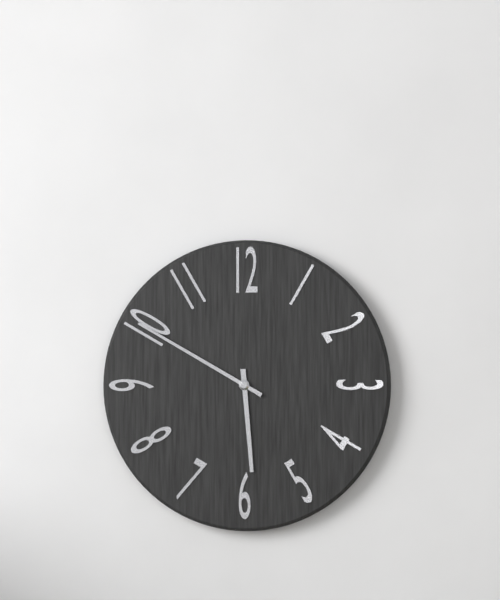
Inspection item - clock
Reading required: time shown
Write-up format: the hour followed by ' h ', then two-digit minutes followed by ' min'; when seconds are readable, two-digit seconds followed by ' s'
5 h 50 min
